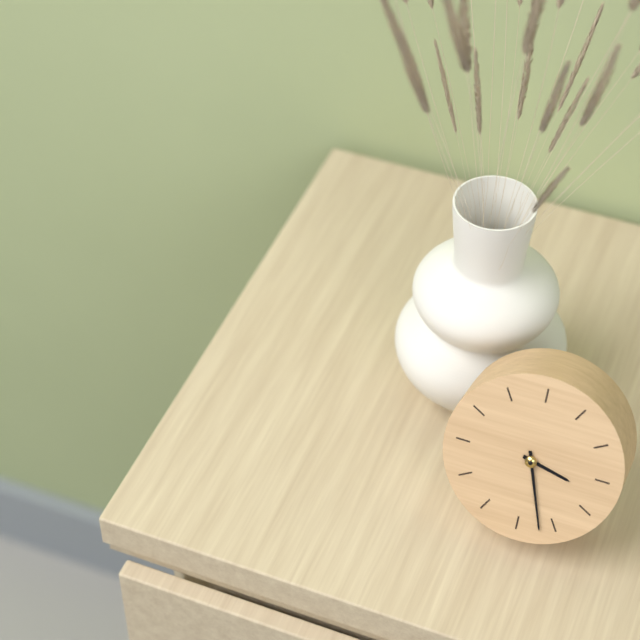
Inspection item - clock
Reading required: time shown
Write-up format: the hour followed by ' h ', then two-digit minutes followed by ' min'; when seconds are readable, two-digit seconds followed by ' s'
3 h 27 min
